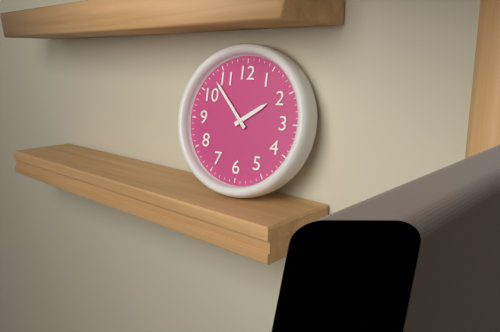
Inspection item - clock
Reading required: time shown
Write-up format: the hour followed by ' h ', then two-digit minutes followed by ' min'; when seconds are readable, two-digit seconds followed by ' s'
1 h 53 min
